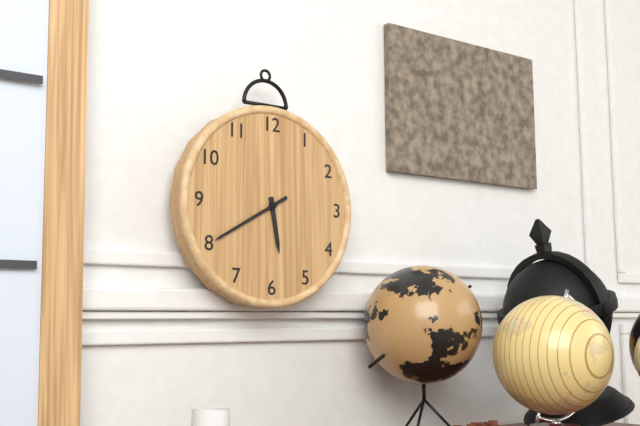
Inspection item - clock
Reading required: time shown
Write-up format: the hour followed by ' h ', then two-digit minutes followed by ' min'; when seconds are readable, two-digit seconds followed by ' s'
5 h 40 min
